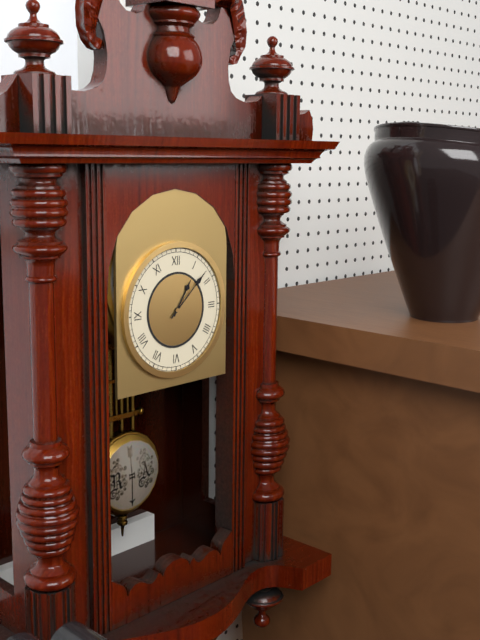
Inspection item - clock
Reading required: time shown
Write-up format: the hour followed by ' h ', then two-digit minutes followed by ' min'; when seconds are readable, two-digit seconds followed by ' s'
1 h 08 min
